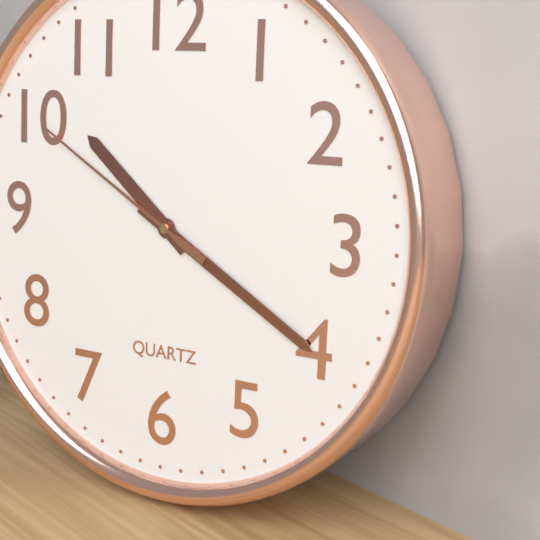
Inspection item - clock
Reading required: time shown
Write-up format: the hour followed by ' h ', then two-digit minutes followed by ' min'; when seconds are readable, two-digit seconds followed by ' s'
10 h 20 min 50 s
